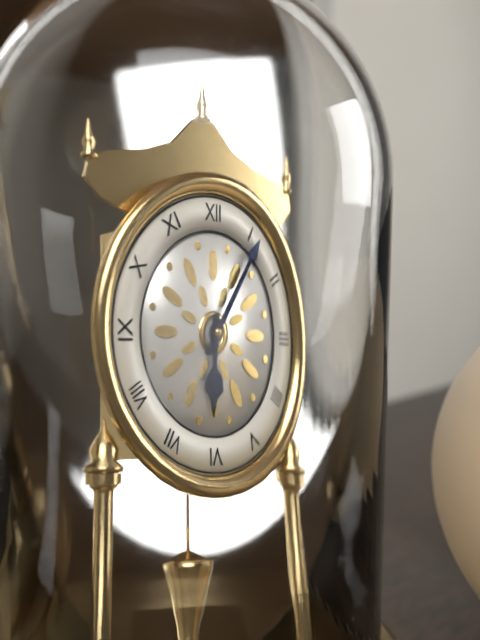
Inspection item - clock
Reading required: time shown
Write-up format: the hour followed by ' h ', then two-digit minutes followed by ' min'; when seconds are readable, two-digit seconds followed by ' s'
6 h 06 min
